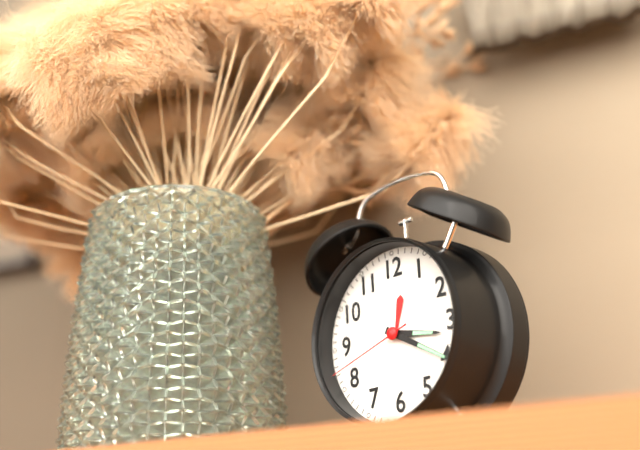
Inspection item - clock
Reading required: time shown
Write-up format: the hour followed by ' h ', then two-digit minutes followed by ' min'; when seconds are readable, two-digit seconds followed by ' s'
3 h 20 min 42 s
